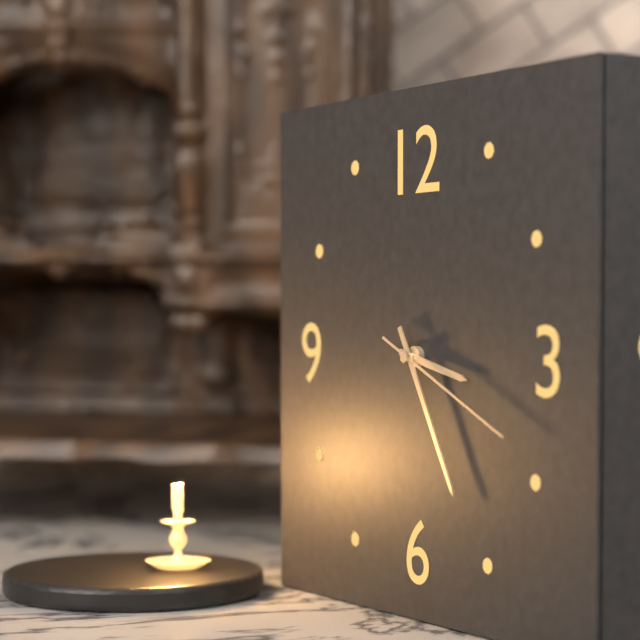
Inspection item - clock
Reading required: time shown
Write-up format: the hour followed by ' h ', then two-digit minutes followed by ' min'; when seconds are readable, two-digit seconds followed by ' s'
3 h 25 min 19 s
